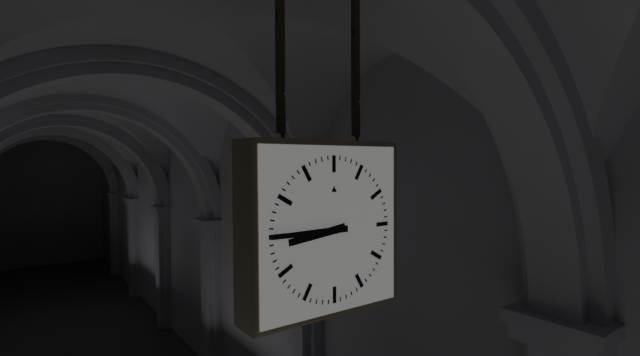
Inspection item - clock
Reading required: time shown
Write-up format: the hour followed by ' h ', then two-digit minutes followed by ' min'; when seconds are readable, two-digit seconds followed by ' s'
8 h 45 min
